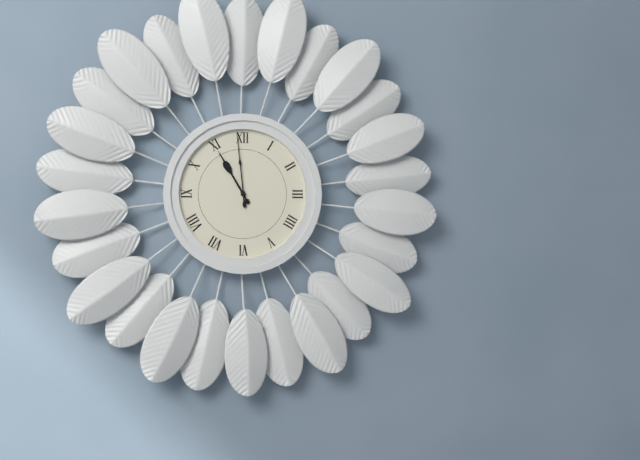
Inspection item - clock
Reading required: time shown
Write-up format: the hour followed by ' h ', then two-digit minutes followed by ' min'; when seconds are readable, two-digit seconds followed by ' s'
10 h 59 min
